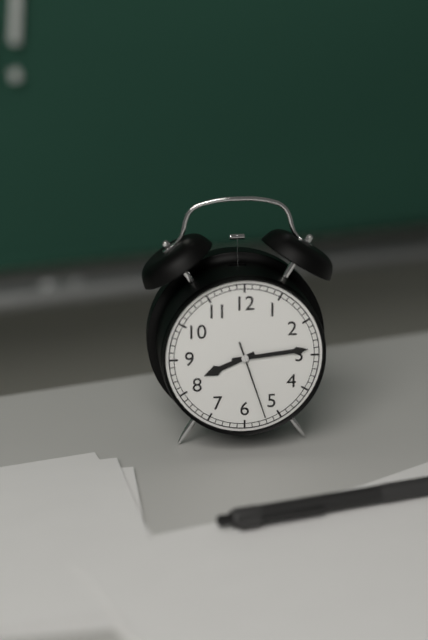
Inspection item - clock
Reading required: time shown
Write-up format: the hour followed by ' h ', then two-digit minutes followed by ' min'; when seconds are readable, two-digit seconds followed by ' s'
8 h 14 min 27 s
